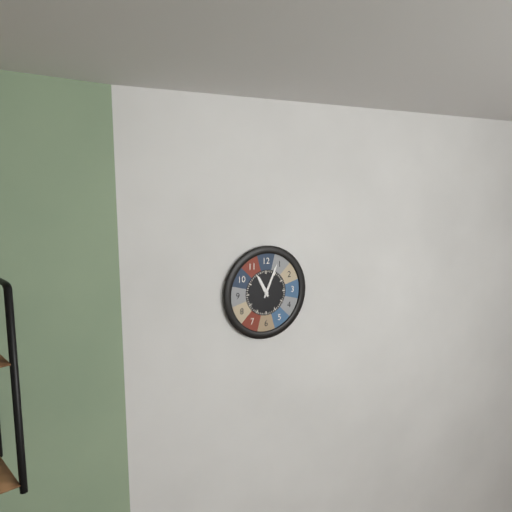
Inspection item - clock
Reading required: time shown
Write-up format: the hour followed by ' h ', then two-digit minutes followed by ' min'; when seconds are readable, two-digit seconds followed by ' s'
11 h 04 min
